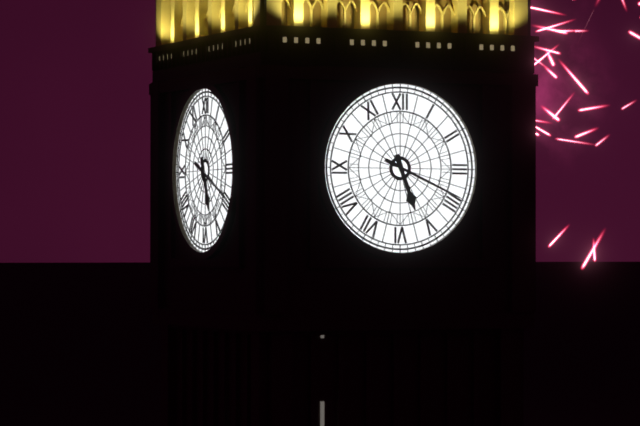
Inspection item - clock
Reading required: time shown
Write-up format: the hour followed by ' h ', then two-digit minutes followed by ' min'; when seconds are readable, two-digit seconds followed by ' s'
5 h 19 min
